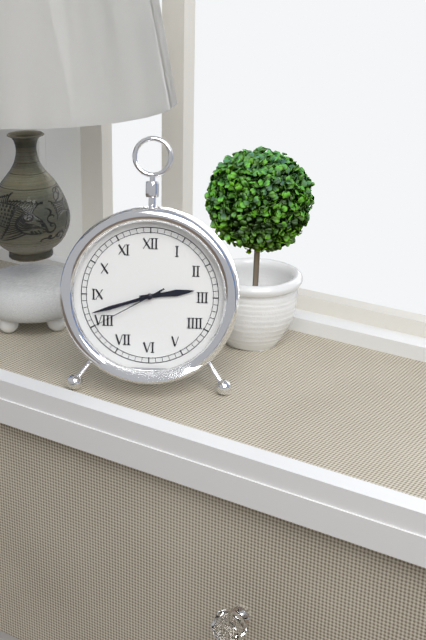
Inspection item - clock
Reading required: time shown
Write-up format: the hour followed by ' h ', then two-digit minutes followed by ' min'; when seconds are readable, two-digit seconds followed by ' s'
2 h 42 min 40 s
